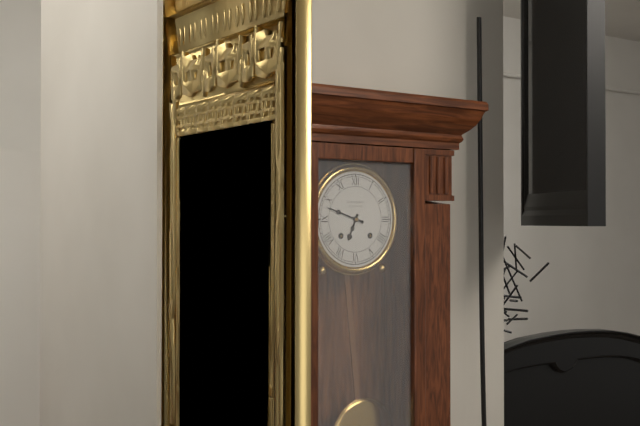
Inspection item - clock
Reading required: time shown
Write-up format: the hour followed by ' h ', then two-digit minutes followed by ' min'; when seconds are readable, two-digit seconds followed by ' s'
6 h 48 min
